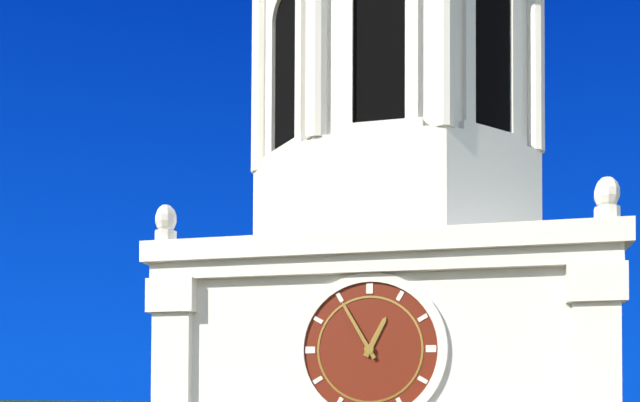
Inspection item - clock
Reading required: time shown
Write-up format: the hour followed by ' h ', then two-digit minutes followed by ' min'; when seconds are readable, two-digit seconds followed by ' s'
12 h 55 min
